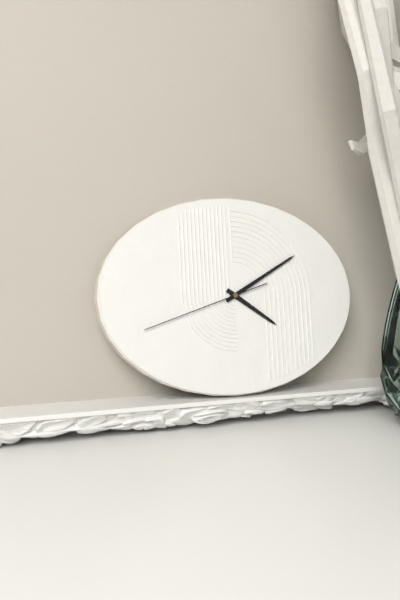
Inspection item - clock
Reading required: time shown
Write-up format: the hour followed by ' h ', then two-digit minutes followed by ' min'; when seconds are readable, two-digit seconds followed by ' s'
4 h 10 min 42 s
